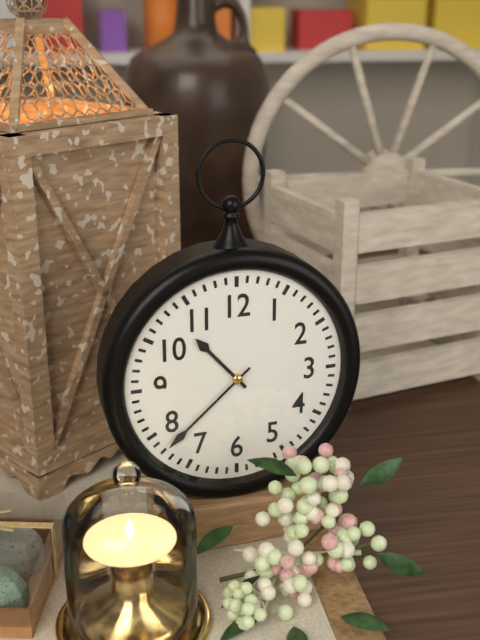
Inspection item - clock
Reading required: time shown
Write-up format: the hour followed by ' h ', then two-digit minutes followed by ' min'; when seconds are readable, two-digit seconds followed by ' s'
10 h 38 min
